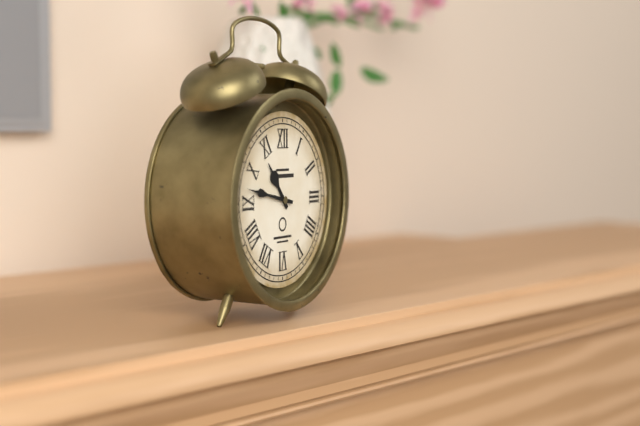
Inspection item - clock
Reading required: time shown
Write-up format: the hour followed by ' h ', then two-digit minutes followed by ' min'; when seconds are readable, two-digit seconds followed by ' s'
10 h 47 min
